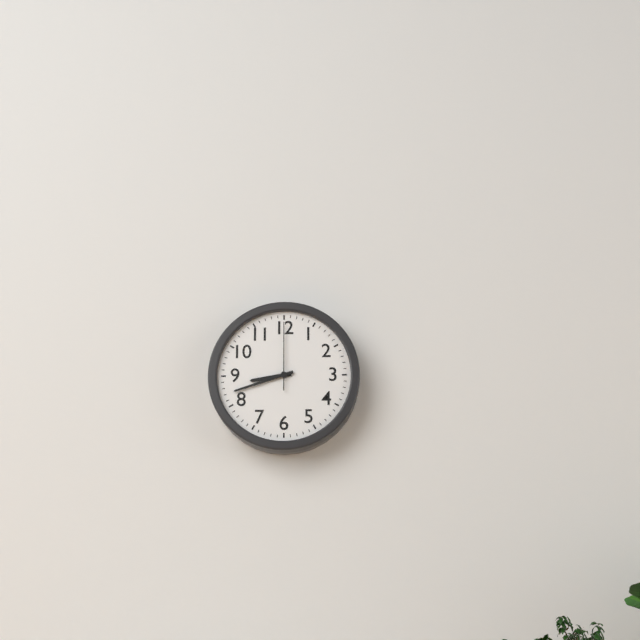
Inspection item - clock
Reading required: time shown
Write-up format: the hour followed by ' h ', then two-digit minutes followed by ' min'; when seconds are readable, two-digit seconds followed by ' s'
8 h 42 min 00 s
